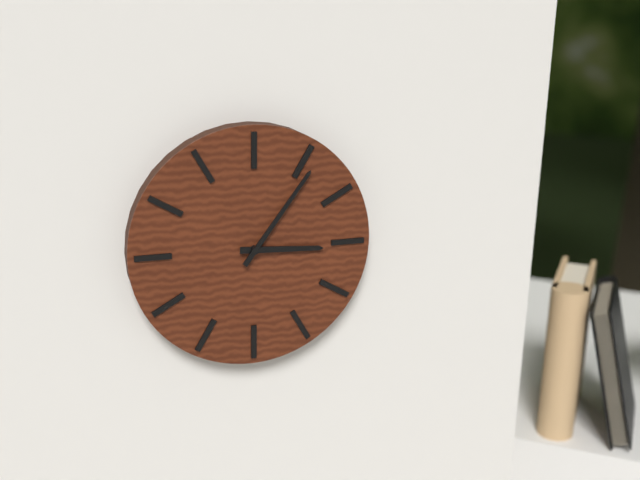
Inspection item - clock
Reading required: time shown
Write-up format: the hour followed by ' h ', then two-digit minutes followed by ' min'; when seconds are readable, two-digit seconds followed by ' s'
3 h 06 min
